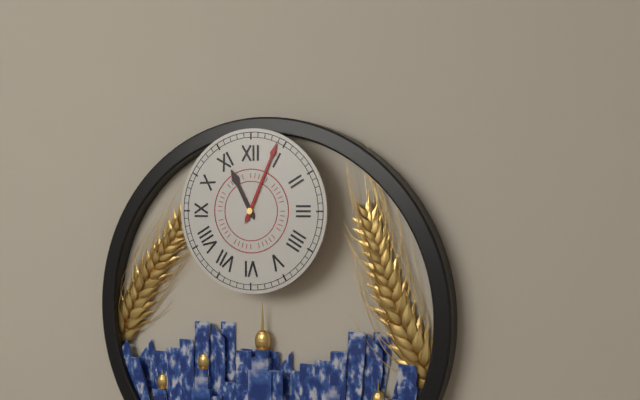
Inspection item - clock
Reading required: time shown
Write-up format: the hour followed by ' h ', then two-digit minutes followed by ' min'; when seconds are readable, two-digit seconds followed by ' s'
11 h 04 min
